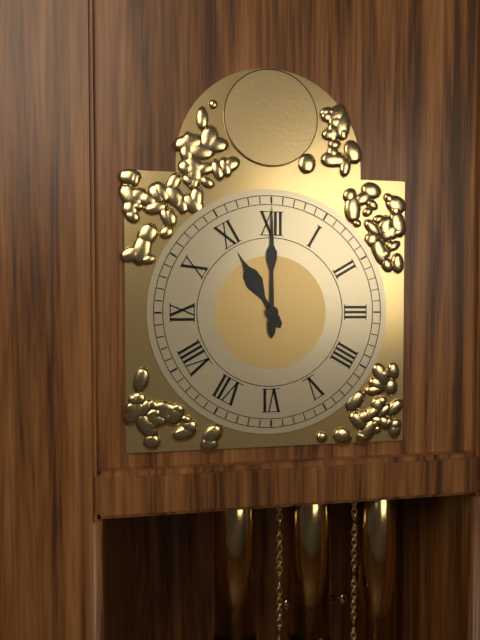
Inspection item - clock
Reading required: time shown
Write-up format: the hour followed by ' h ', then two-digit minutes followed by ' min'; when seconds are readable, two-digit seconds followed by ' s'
11 h 00 min
